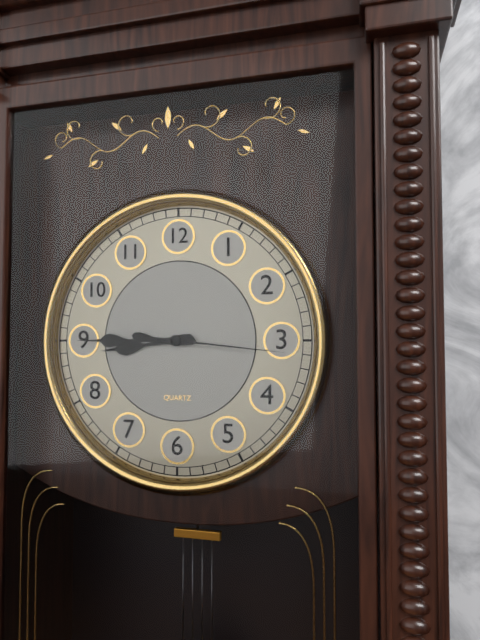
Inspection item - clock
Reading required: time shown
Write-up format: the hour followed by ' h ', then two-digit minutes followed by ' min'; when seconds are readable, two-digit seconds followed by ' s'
8 h 45 min 16 s
